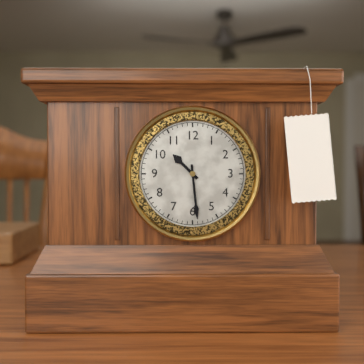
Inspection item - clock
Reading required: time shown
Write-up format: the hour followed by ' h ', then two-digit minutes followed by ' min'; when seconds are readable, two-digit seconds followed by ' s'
10 h 29 min
